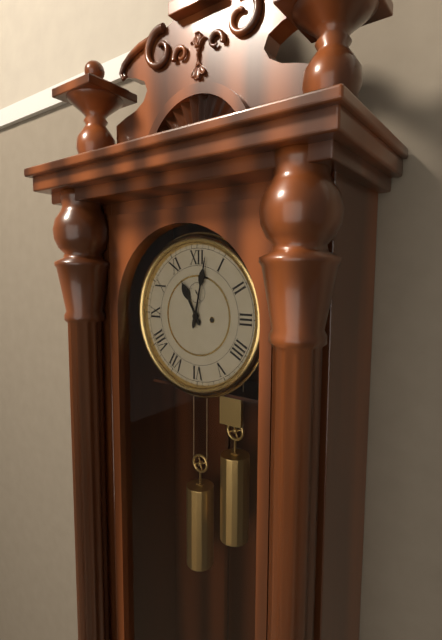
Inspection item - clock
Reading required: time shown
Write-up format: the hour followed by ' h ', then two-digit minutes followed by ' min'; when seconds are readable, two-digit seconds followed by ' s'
11 h 02 min
